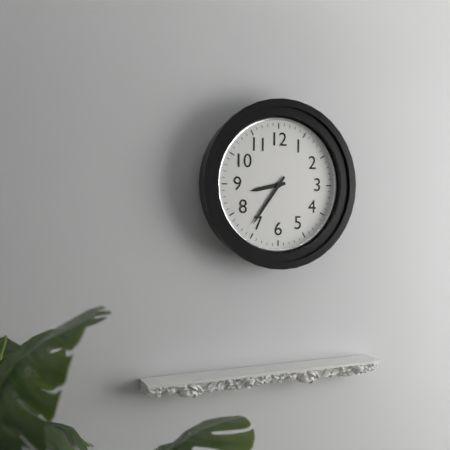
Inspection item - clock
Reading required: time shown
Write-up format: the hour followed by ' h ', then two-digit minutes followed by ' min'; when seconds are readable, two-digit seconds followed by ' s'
8 h 36 min
